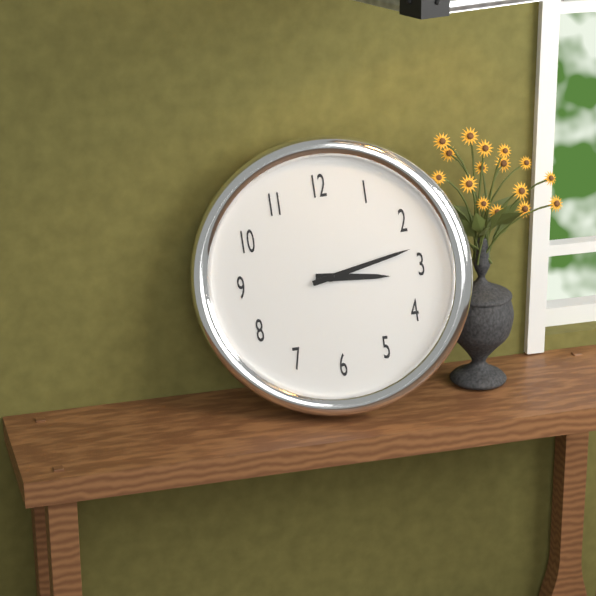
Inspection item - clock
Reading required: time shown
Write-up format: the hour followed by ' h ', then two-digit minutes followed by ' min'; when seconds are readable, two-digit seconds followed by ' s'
3 h 13 min
